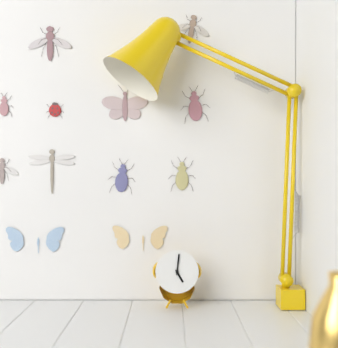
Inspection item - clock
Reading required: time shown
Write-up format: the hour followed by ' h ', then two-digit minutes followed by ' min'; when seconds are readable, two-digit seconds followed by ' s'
5 h 01 min
